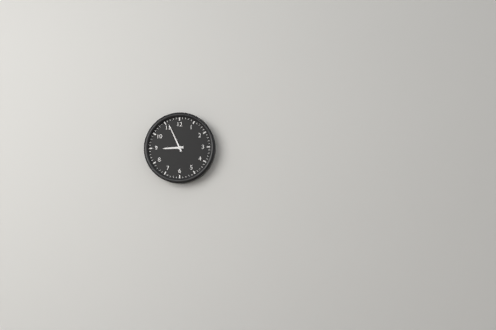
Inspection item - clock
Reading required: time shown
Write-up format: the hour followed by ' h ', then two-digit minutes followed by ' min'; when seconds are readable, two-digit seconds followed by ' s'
8 h 56 min
